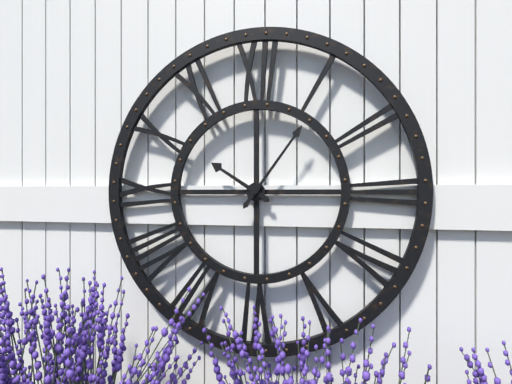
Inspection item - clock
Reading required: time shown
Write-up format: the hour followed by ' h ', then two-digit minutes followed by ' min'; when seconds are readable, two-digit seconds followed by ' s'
10 h 06 min
